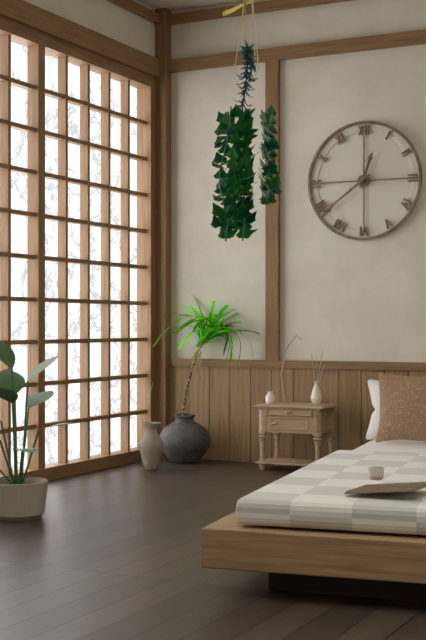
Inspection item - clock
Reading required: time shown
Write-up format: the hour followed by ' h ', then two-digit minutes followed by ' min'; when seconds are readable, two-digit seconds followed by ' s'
12 h 39 min
